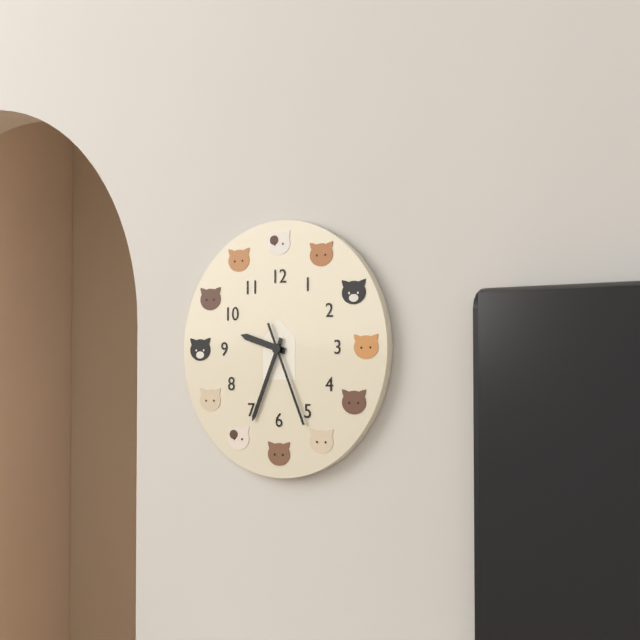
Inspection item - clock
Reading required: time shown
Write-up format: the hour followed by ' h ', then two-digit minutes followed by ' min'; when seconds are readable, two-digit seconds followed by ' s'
9 h 34 min 26 s
